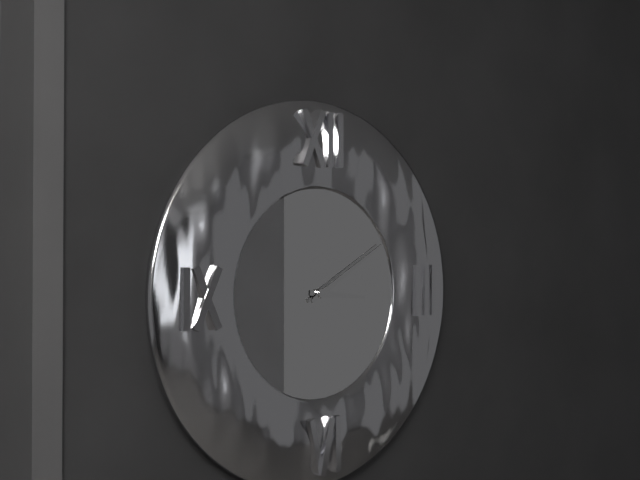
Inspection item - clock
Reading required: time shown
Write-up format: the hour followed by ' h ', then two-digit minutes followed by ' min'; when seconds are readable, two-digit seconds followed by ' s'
3 h 10 min
